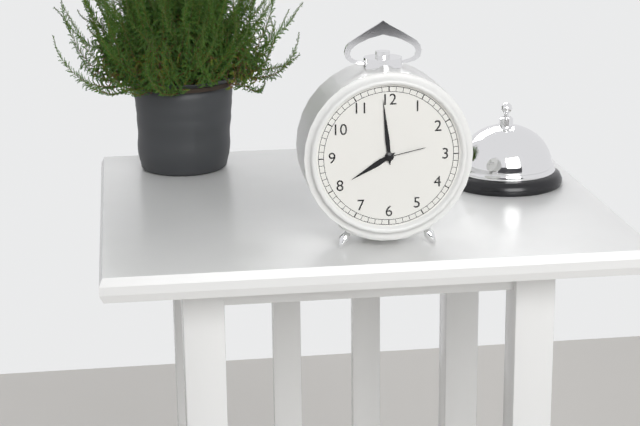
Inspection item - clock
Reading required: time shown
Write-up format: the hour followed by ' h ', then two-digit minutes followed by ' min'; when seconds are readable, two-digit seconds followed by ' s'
7 h 59 min
